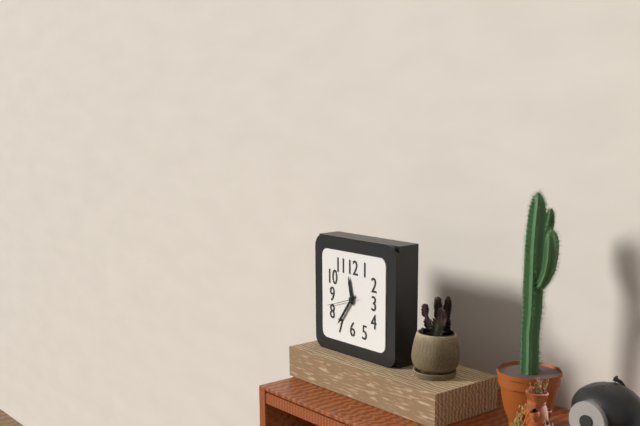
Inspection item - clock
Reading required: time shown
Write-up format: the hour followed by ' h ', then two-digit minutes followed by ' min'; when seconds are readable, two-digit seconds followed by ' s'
11 h 36 min
